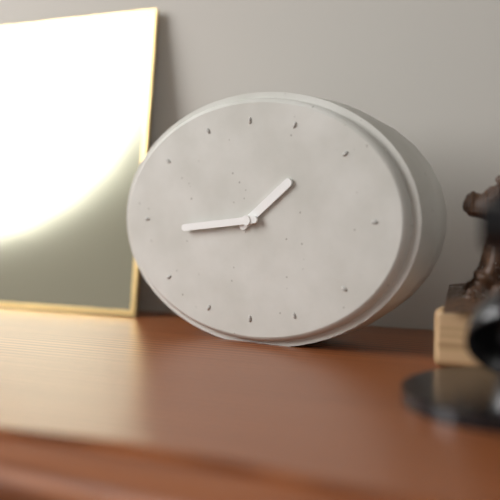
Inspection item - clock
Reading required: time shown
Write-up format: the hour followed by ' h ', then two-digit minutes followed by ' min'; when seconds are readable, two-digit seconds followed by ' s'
1 h 44 min
